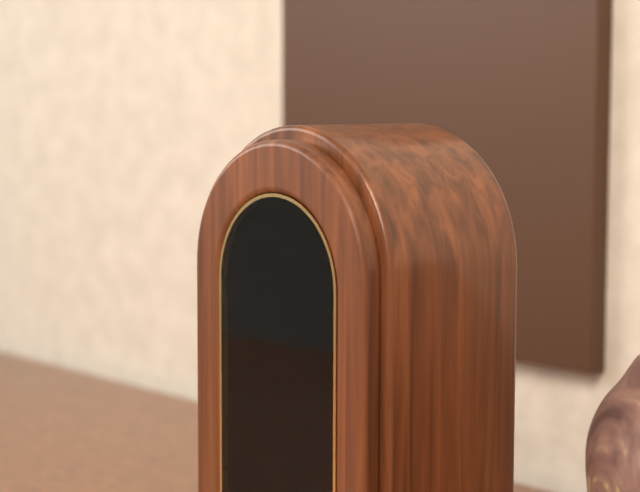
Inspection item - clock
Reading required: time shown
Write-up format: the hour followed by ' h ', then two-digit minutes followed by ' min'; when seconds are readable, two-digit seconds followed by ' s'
5 h 22 min
